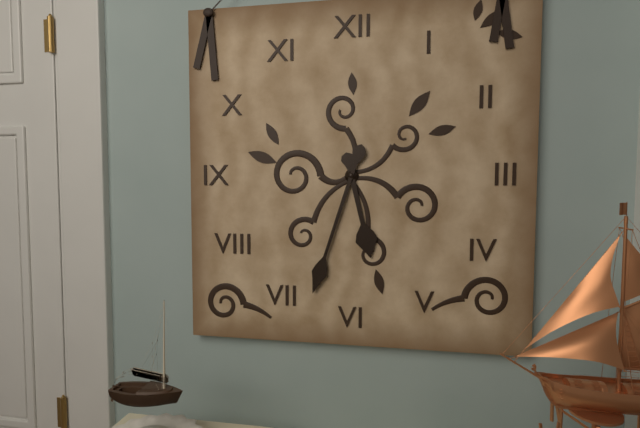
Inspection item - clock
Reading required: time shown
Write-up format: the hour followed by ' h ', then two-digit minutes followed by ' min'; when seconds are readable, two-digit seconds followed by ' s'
5 h 33 min
